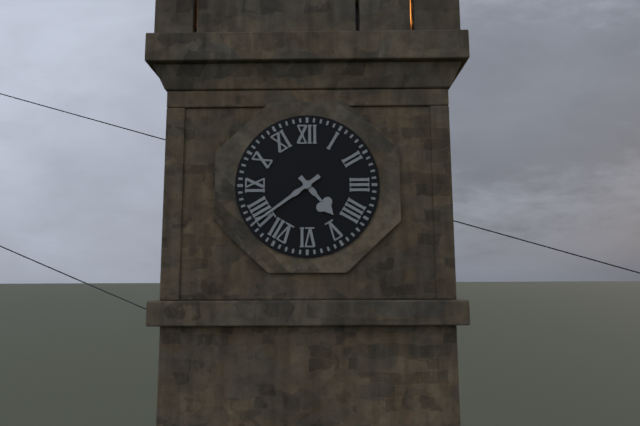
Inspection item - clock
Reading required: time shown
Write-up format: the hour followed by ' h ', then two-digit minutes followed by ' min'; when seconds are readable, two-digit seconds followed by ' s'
4 h 39 min
